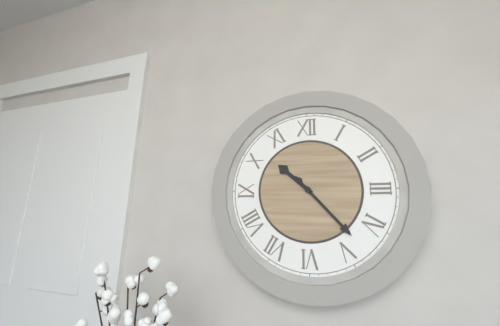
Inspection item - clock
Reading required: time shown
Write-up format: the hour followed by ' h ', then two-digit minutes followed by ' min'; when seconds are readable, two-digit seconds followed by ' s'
10 h 23 min
